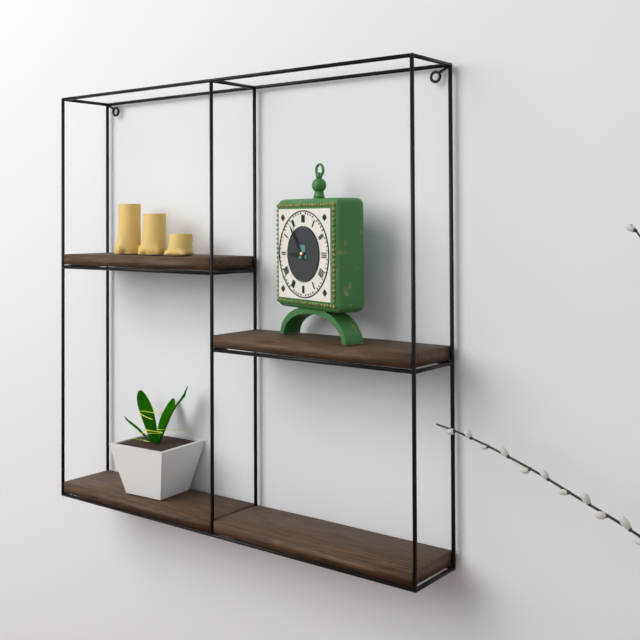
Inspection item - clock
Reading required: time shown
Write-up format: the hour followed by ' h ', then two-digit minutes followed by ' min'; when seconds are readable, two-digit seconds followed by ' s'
8 h 54 min
